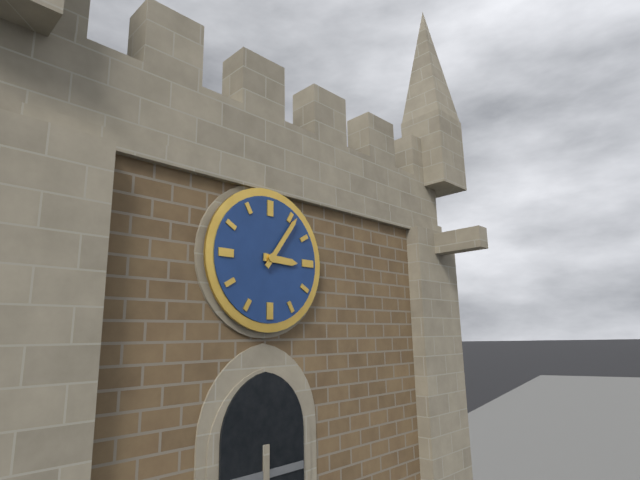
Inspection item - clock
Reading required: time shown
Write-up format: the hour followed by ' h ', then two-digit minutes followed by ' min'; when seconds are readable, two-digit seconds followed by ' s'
3 h 06 min
